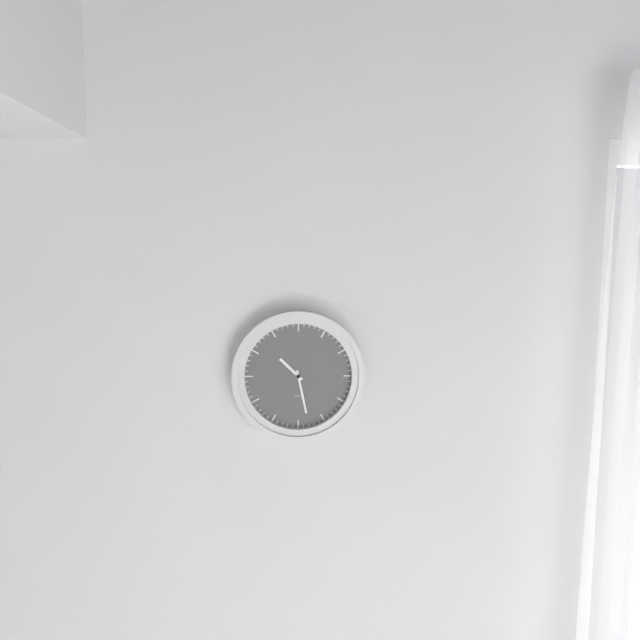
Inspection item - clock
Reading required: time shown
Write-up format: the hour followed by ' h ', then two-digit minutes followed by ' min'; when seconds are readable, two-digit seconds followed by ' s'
10 h 28 min
